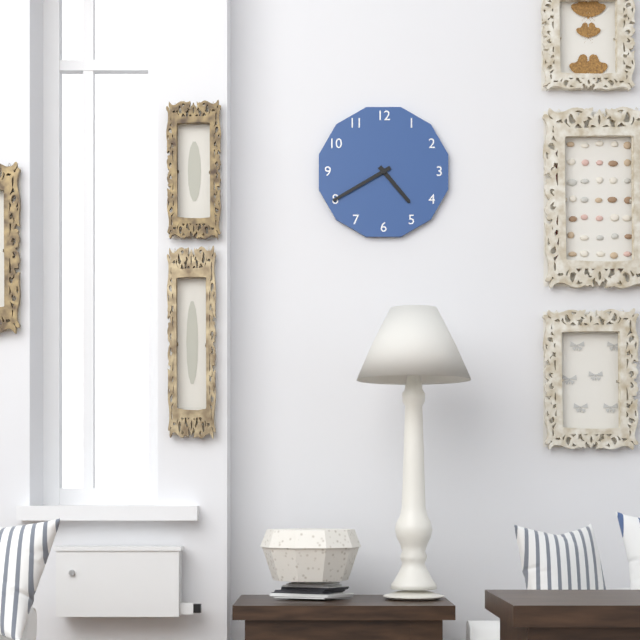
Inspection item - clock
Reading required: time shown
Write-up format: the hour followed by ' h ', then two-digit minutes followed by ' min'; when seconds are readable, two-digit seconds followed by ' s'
4 h 40 min
